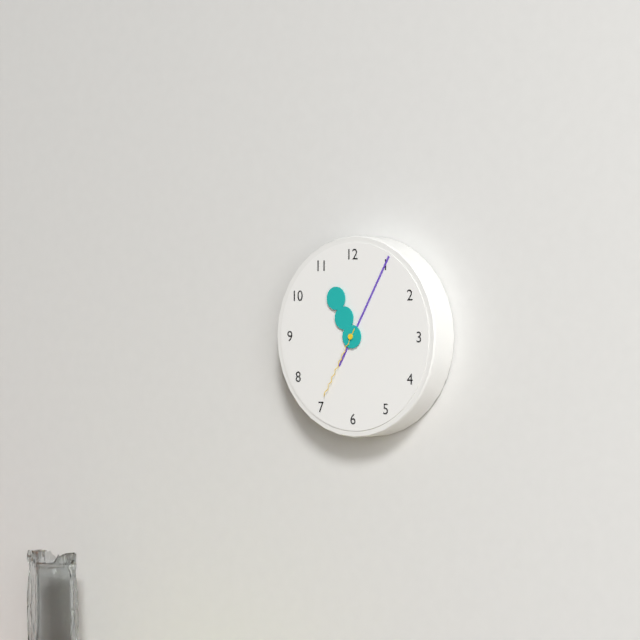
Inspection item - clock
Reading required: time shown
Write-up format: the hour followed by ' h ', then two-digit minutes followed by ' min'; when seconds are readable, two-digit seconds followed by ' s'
11 h 05 min 35 s
